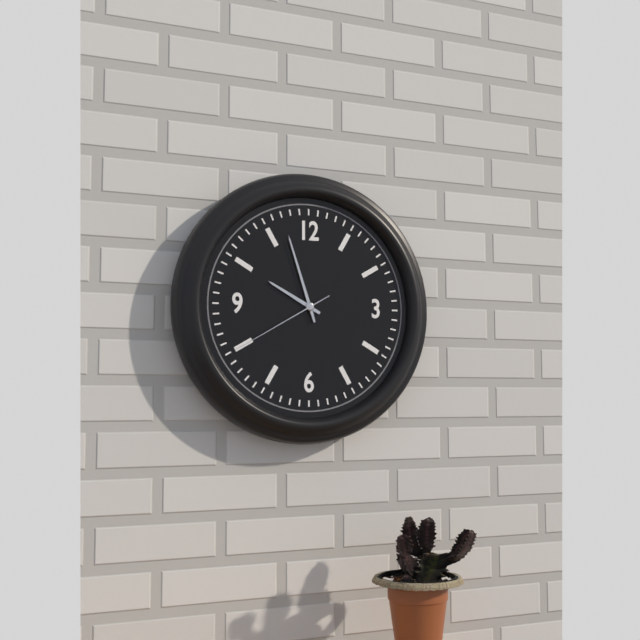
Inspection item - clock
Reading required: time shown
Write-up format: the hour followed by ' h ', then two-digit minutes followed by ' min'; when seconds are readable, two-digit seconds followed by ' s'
9 h 57 min 40 s
